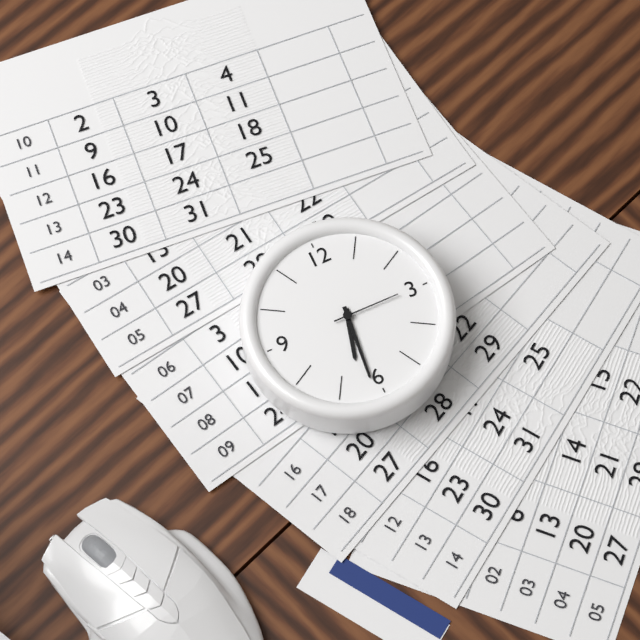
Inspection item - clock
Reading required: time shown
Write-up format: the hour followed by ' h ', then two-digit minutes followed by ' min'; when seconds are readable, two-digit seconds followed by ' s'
6 h 31 min 15 s
